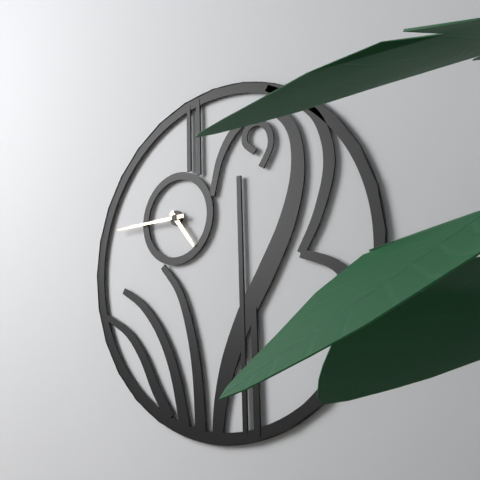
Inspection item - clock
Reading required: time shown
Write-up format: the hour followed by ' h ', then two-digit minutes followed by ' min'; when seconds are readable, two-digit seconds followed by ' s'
4 h 45 min
